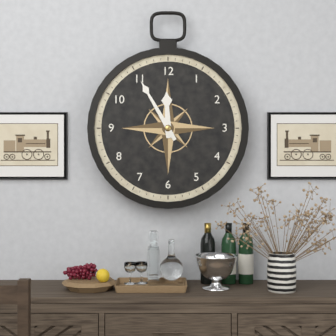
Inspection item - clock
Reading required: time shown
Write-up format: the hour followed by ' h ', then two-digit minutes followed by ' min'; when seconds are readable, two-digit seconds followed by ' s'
11 h 55 min
